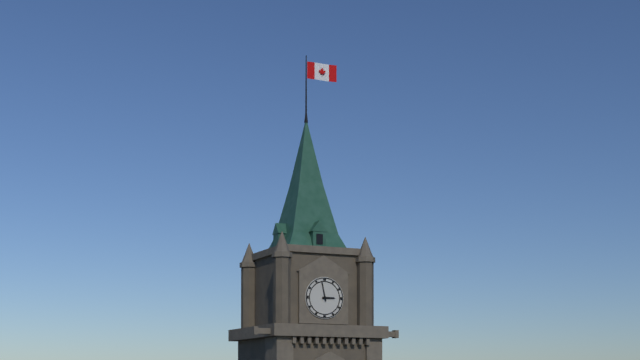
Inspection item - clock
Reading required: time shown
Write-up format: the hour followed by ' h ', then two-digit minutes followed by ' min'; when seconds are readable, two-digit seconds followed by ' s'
2 h 58 min
